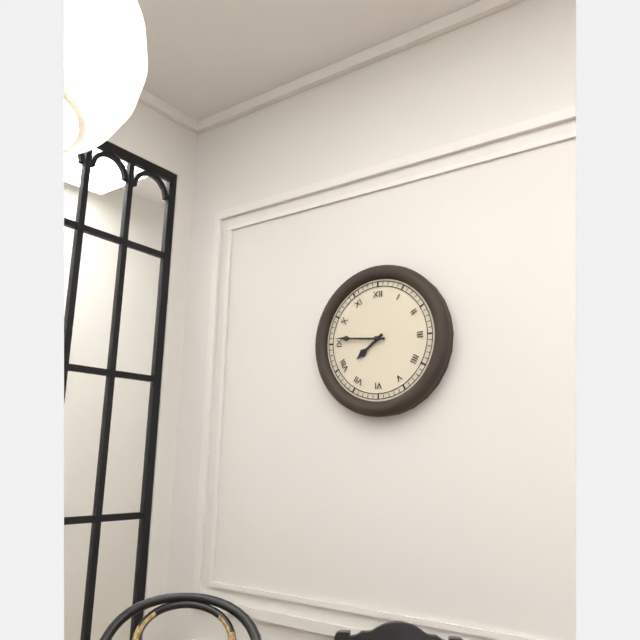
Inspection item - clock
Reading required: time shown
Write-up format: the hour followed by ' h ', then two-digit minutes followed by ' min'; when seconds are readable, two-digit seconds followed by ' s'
7 h 46 min
